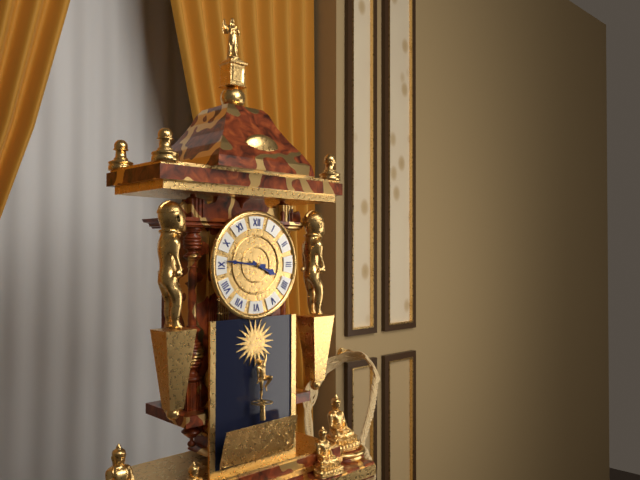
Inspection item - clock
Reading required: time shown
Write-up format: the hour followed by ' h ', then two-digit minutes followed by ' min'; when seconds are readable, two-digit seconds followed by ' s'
3 h 46 min
